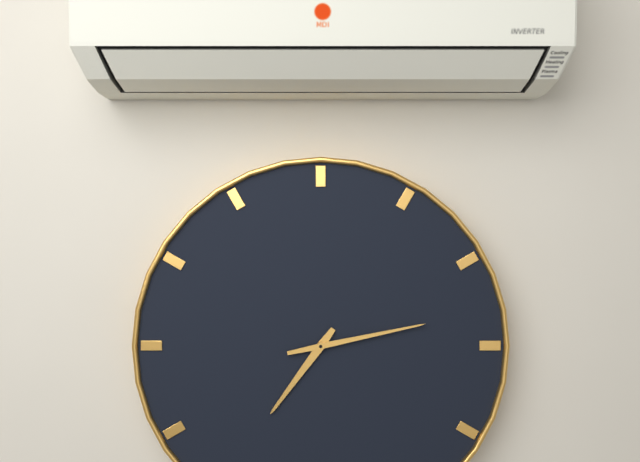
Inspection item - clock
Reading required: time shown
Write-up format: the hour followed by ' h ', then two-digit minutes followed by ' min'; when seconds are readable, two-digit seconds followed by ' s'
7 h 13 min
